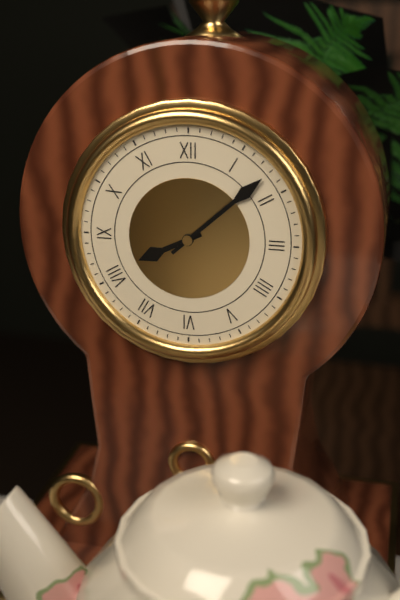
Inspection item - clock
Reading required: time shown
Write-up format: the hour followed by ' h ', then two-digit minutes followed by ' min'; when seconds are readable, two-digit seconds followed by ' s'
8 h 08 min
